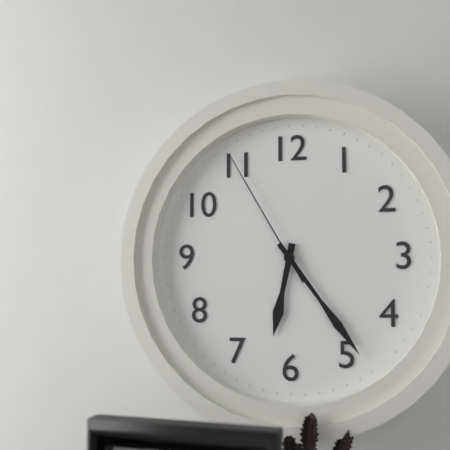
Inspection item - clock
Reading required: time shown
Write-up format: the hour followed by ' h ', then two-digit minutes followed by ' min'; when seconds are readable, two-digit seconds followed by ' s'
6 h 24 min 55 s
